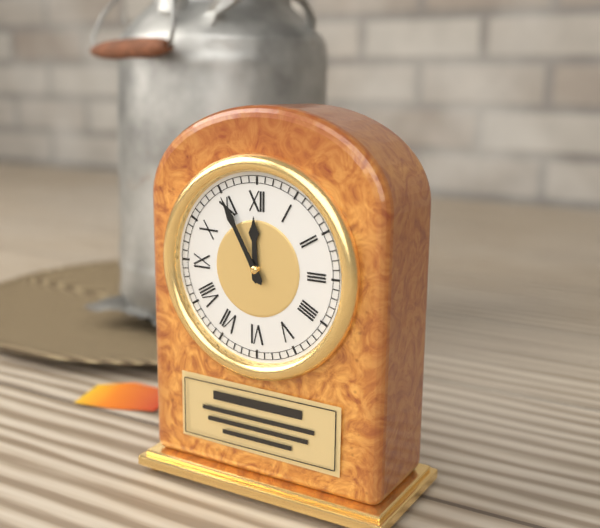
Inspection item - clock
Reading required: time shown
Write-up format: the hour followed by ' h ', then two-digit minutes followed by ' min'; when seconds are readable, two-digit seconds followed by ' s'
11 h 55 min
